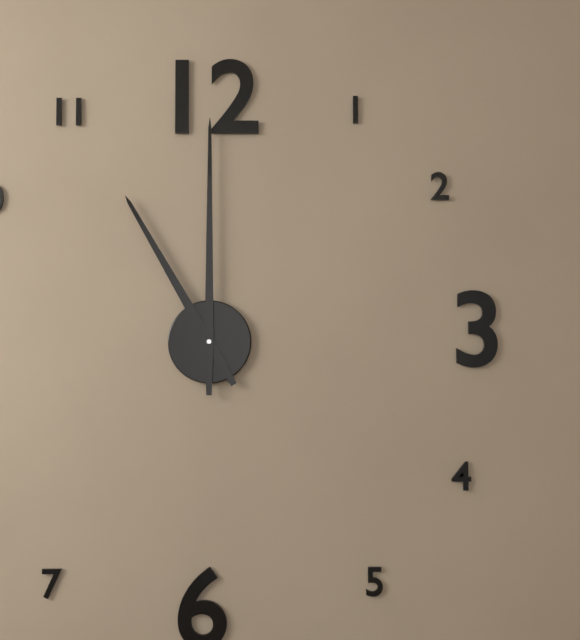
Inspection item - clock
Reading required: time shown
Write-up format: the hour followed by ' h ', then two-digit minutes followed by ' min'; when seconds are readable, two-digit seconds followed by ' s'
11 h 00 min
